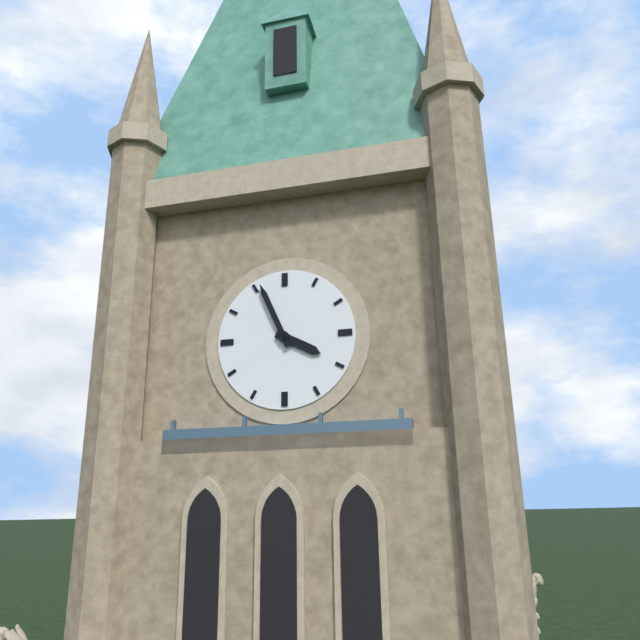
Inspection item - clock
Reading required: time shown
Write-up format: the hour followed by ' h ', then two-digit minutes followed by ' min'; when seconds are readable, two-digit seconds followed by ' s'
3 h 56 min
